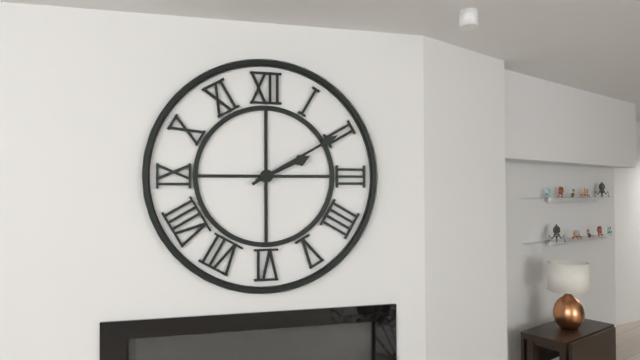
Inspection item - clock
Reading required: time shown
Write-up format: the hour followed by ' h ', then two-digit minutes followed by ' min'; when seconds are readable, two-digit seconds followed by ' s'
2 h 10 min
